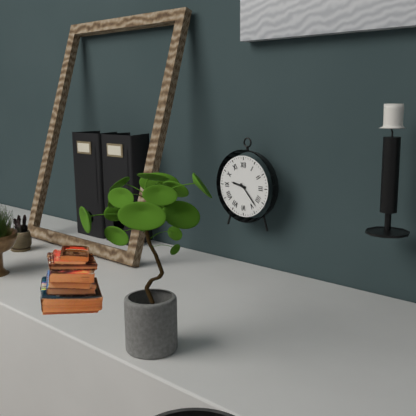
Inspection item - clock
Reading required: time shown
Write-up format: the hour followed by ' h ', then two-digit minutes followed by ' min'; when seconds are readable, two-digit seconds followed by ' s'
9 h 23 min
